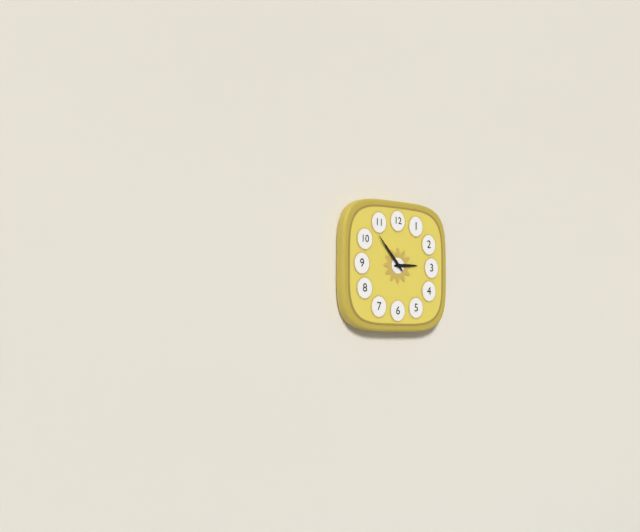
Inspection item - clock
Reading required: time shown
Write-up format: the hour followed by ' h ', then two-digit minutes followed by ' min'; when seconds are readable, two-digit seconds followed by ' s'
2 h 53 min
